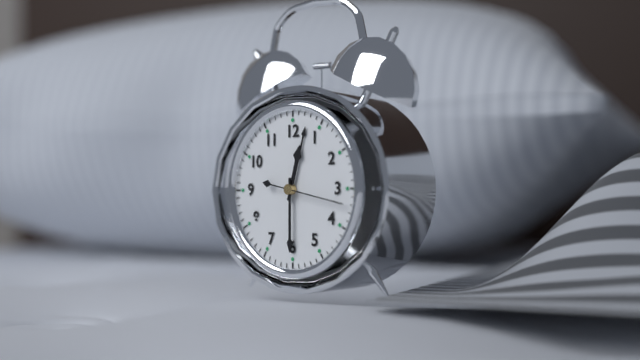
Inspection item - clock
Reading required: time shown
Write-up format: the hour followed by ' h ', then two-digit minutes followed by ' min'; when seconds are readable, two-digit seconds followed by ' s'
12 h 30 min 17 s
